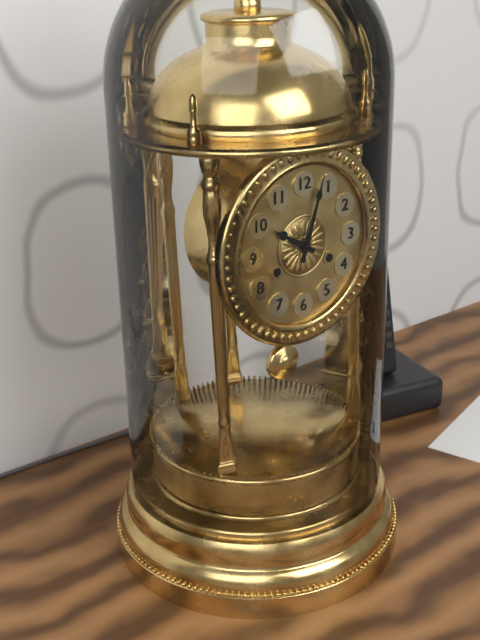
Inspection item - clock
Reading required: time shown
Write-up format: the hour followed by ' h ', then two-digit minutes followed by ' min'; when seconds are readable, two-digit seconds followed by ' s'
10 h 03 min
